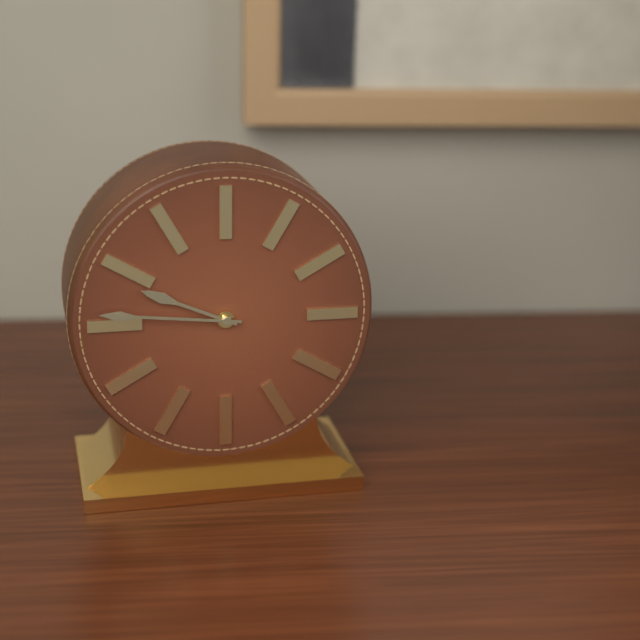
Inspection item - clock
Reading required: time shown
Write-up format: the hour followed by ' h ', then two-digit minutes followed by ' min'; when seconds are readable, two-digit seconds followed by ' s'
9 h 46 min
